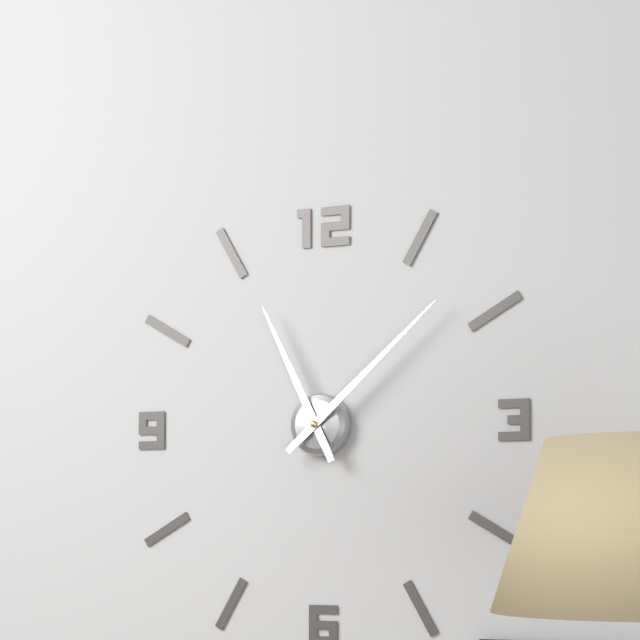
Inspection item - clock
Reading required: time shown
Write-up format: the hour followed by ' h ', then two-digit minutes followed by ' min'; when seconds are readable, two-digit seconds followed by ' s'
11 h 08 min
